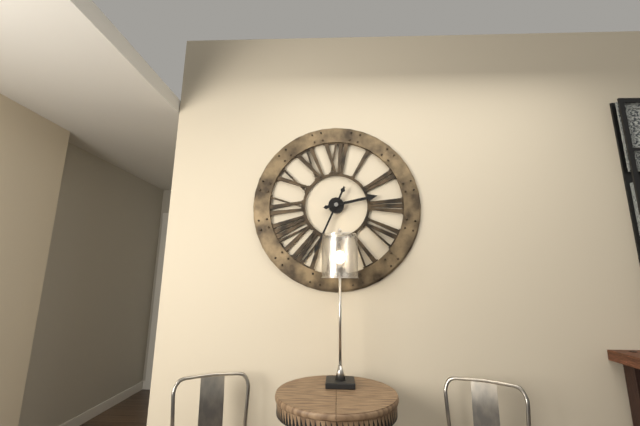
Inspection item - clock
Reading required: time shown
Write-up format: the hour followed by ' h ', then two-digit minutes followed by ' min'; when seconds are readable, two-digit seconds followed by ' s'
2 h 34 min
